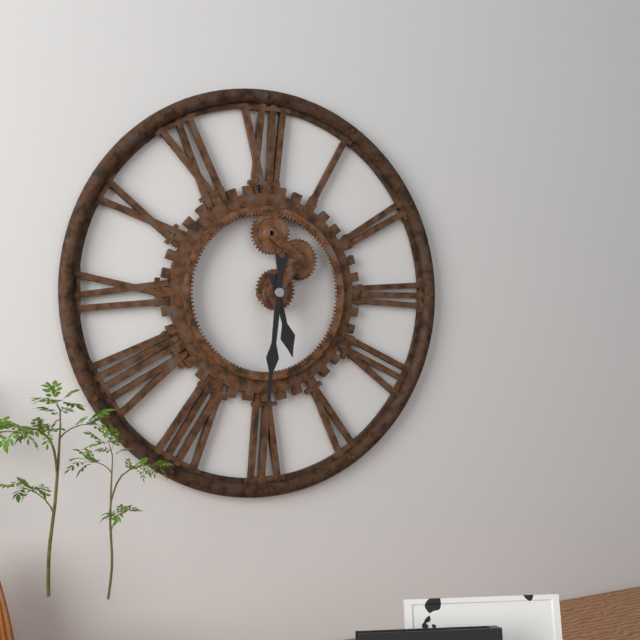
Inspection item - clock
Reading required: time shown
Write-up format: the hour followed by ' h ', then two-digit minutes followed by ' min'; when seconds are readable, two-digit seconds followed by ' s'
5 h 31 min
